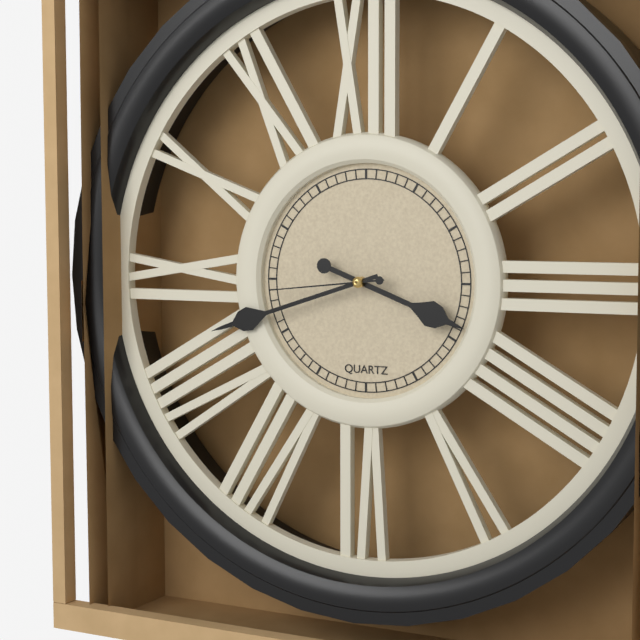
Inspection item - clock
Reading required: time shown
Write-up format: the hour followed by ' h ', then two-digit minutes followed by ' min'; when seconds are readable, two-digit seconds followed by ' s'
3 h 42 min 44 s
